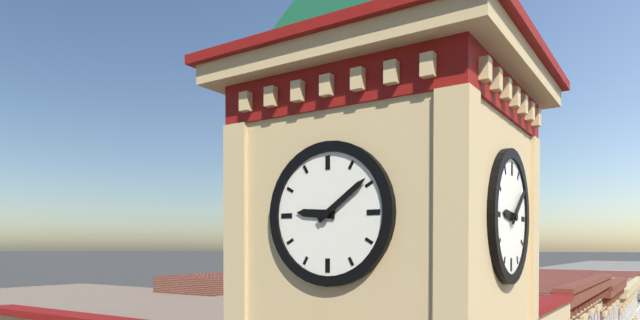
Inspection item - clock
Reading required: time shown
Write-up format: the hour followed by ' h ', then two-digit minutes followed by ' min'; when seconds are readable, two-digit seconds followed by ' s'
9 h 09 min
